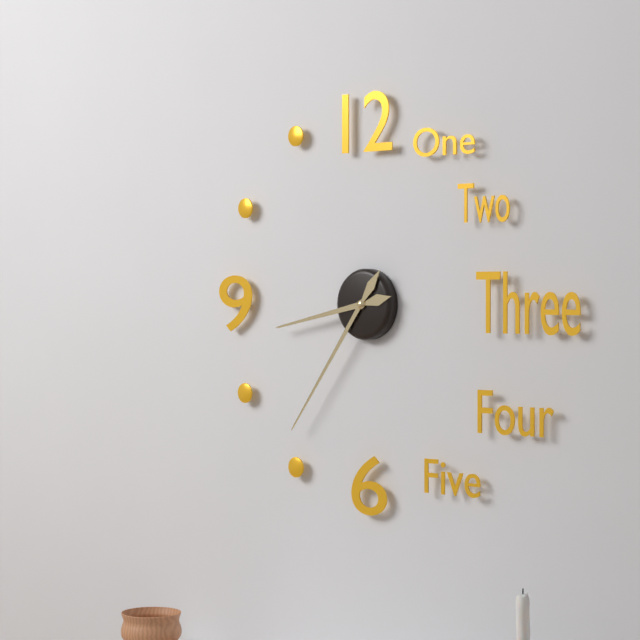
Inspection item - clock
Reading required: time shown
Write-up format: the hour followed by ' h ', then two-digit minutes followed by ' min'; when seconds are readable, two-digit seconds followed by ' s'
8 h 36 min
